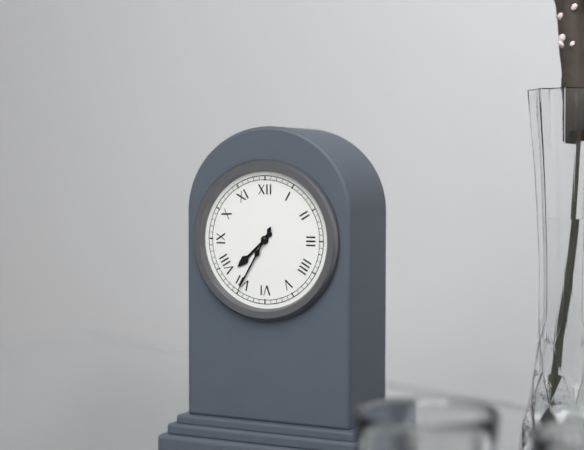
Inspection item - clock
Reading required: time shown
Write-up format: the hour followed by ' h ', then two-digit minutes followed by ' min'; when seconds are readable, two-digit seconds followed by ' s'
7 h 35 min
